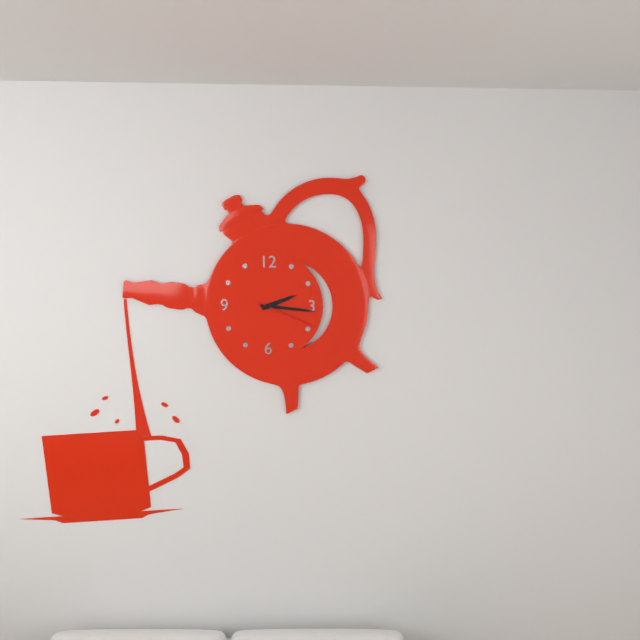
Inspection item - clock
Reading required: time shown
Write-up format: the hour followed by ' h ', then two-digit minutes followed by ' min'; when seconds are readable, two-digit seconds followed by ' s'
2 h 16 min 19 s
